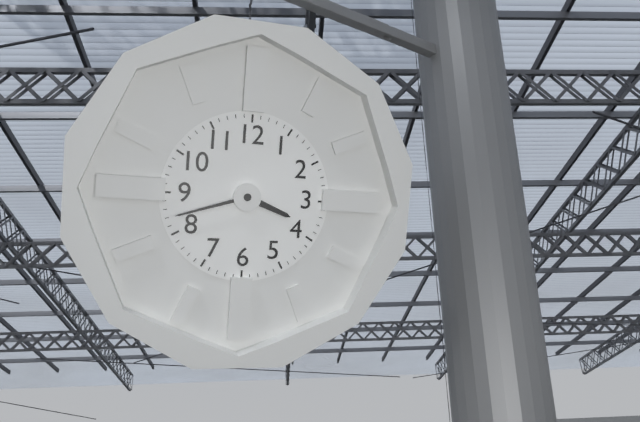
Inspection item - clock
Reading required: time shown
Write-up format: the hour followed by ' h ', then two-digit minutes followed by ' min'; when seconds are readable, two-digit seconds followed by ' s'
3 h 42 min
